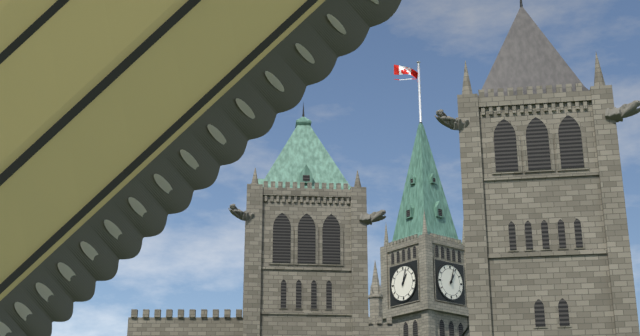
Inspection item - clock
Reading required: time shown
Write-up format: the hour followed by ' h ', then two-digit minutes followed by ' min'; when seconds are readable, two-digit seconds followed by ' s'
1 h 03 min
